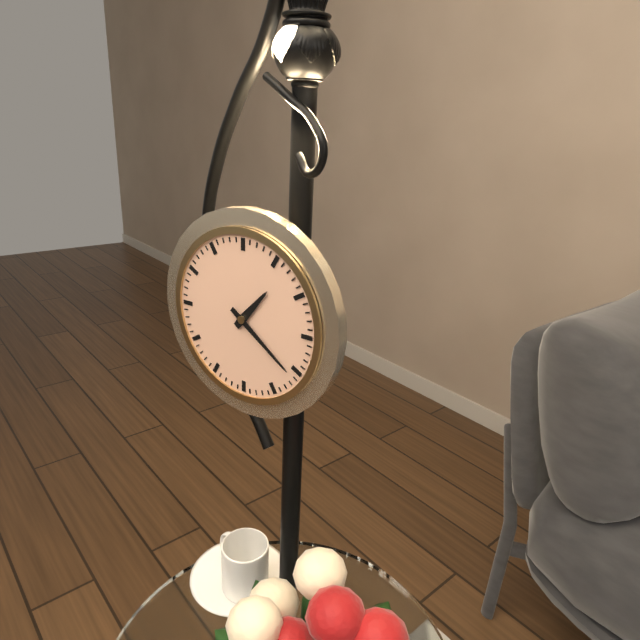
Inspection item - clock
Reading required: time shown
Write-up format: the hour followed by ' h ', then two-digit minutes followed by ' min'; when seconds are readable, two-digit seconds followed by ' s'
1 h 21 min
